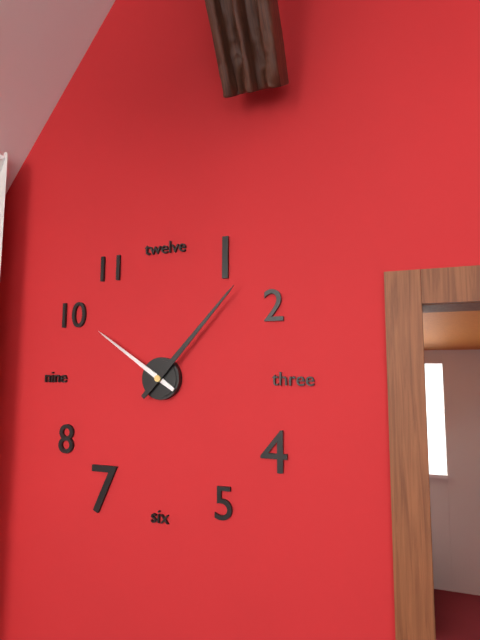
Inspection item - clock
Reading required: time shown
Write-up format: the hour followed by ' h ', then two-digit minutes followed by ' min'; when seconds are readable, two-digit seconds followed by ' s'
10 h 07 min
